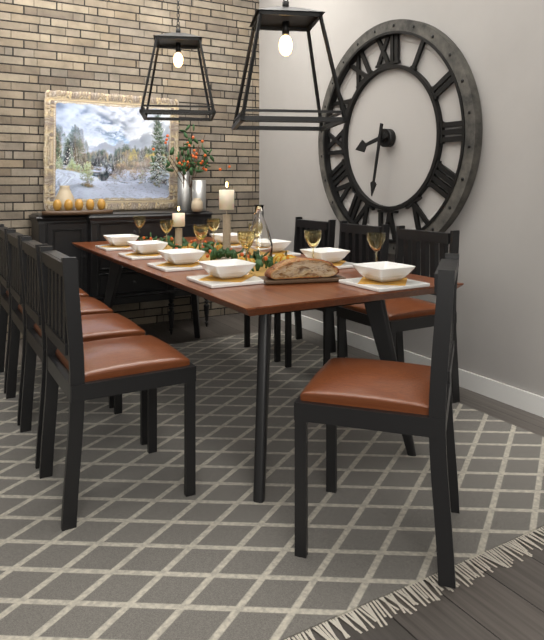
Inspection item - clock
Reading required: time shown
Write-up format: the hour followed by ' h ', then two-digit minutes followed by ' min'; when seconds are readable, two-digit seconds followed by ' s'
8 h 32 min
